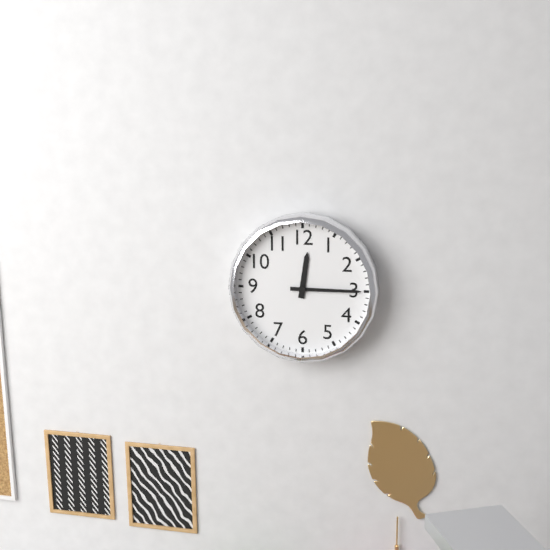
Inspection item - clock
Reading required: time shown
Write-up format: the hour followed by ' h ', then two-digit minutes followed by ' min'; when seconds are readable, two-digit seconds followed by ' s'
12 h 15 min
